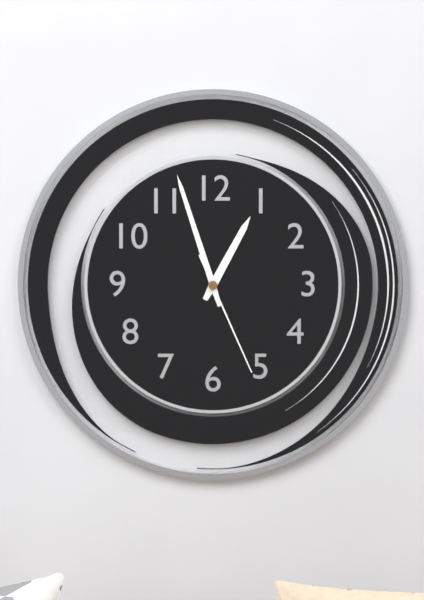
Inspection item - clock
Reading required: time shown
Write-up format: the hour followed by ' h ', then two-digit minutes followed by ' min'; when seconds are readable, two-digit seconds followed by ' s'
12 h 57 min 26 s
